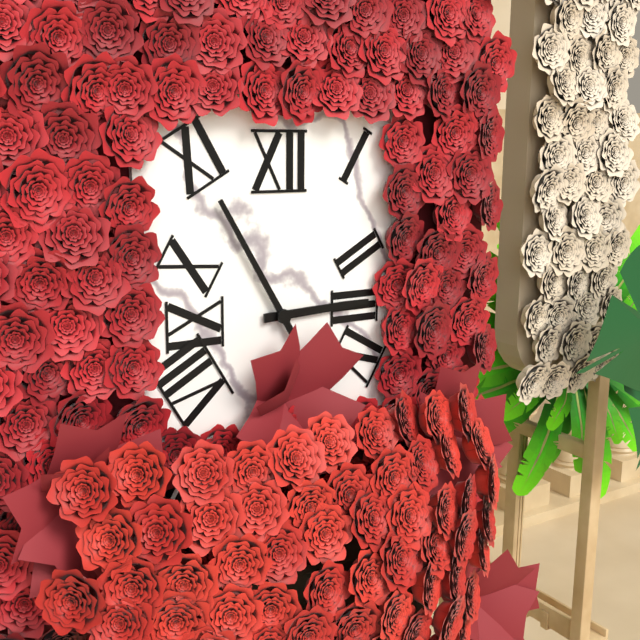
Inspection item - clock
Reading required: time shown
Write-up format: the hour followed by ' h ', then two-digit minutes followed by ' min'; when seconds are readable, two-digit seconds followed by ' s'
2 h 55 min
